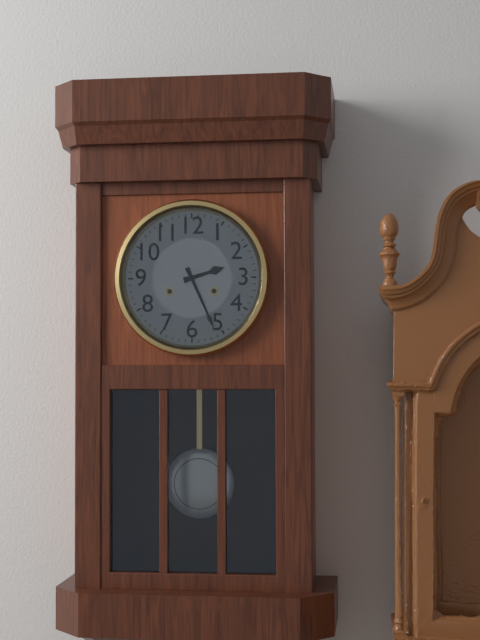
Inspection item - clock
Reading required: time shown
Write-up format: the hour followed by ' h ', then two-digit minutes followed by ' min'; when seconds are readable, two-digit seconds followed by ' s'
2 h 26 min
